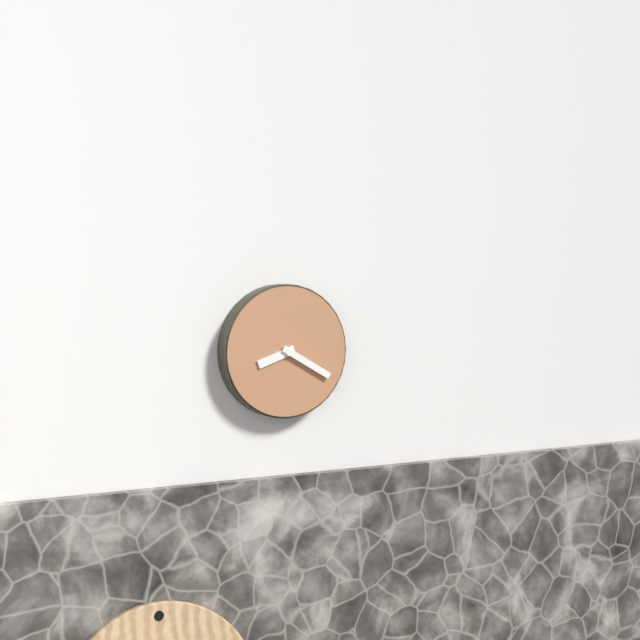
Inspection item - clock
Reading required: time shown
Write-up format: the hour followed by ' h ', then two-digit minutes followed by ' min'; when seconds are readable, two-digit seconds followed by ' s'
8 h 20 min
